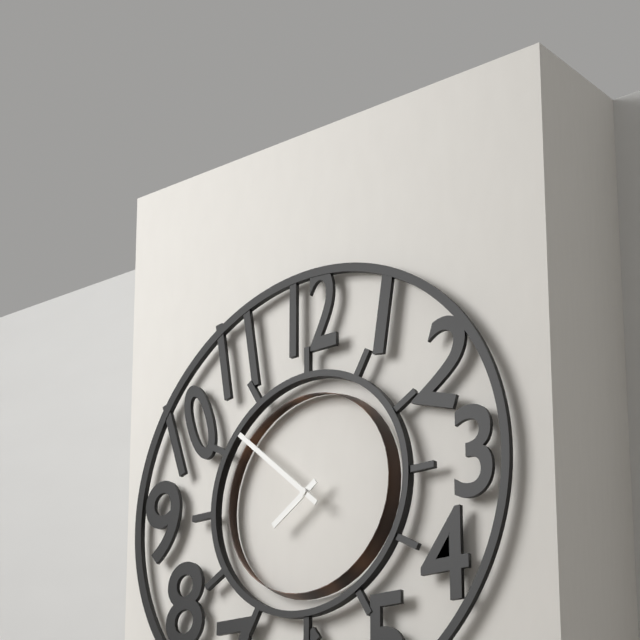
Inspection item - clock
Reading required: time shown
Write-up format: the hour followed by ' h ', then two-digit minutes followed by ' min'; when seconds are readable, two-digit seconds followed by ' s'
7 h 52 min
